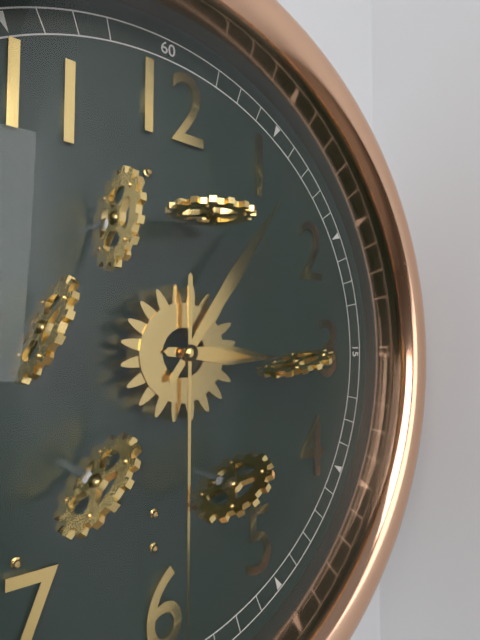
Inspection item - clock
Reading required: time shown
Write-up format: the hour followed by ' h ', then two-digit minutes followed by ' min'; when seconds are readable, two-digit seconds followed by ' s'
3 h 06 min
